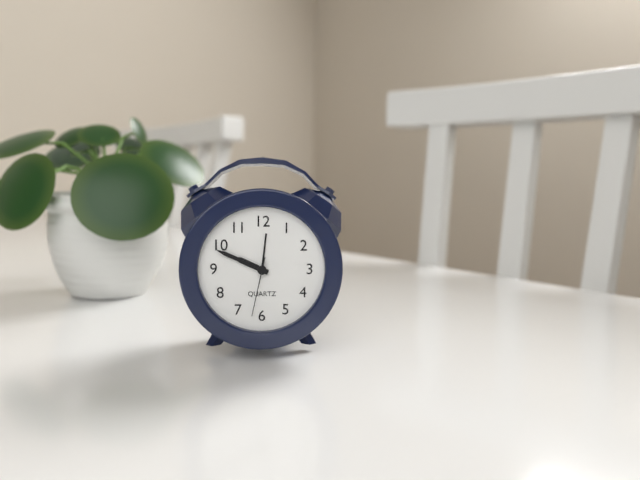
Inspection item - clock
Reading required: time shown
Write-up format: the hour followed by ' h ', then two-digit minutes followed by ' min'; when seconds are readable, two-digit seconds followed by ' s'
9 h 49 min 32 s
